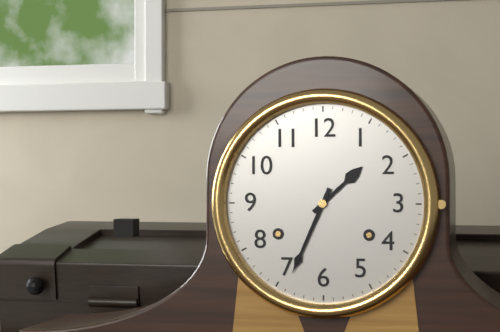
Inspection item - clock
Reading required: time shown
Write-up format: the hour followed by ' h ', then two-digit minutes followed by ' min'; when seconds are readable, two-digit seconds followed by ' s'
1 h 34 min
